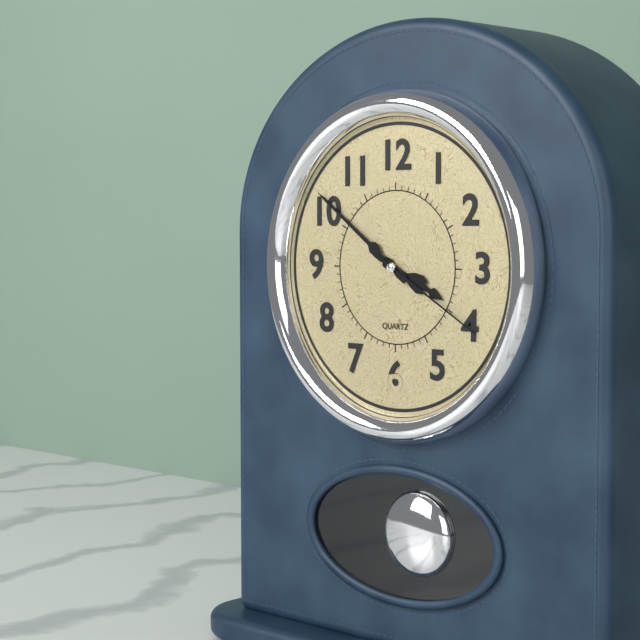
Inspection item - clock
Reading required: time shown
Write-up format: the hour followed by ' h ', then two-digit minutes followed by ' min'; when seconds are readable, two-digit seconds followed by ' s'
3 h 51 min 20 s
